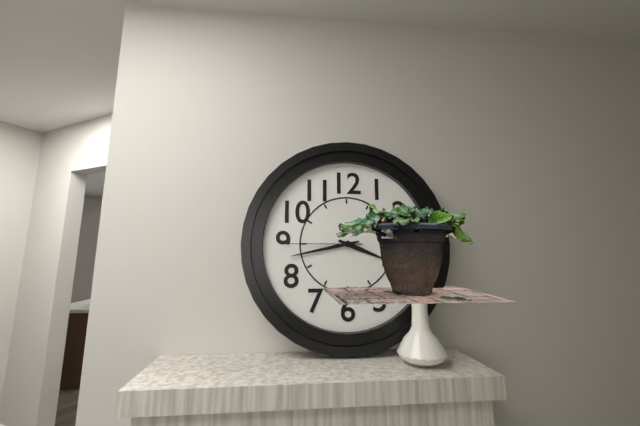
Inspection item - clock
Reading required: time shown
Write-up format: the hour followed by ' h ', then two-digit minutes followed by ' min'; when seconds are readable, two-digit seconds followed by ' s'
3 h 43 min 45 s
